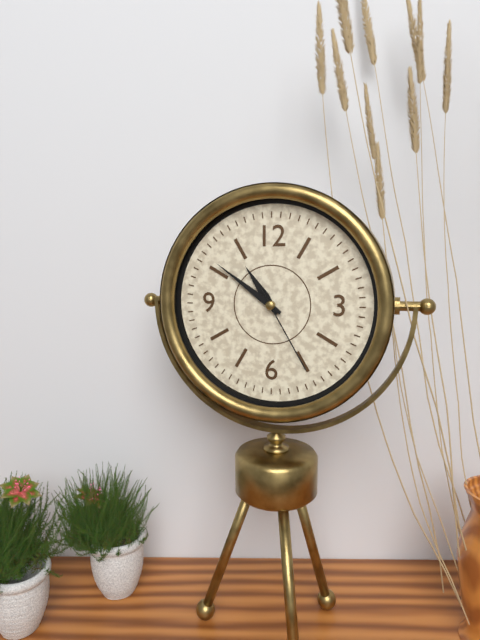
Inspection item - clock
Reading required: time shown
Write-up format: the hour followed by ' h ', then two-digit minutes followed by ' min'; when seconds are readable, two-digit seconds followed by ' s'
10 h 51 min 25 s
